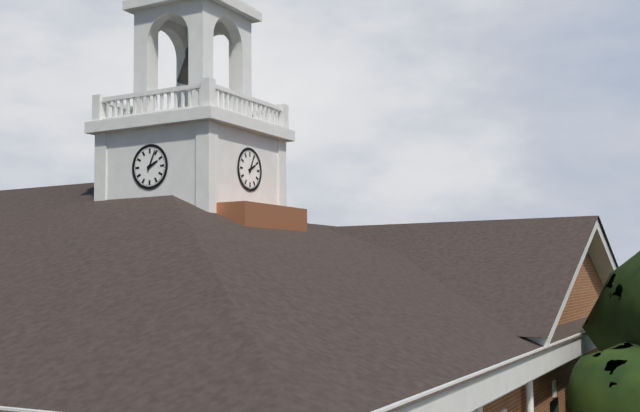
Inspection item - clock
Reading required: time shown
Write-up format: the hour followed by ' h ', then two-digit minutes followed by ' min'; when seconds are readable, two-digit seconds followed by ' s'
2 h 04 min
